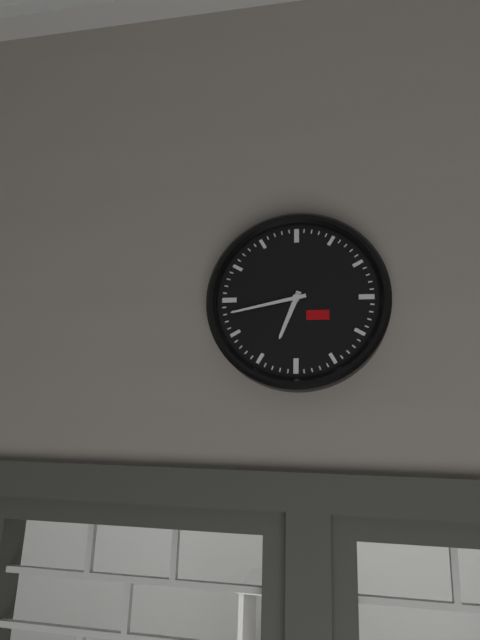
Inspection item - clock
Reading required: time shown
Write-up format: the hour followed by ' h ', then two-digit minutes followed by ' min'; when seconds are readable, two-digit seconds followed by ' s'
6 h 43 min
